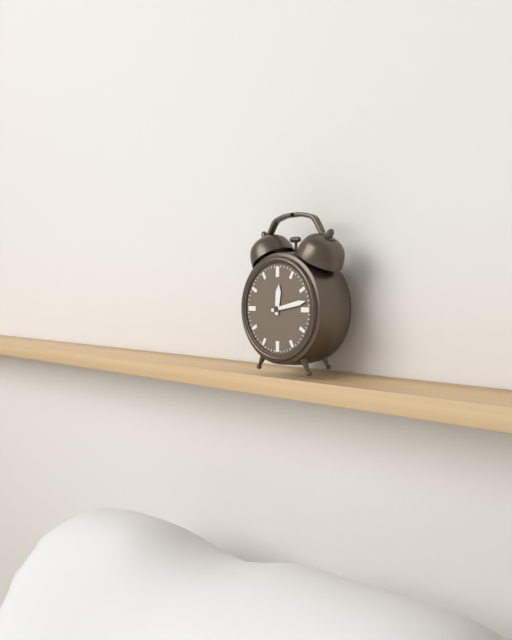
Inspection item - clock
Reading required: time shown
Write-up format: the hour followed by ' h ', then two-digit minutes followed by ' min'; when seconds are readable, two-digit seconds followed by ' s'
12 h 13 min
